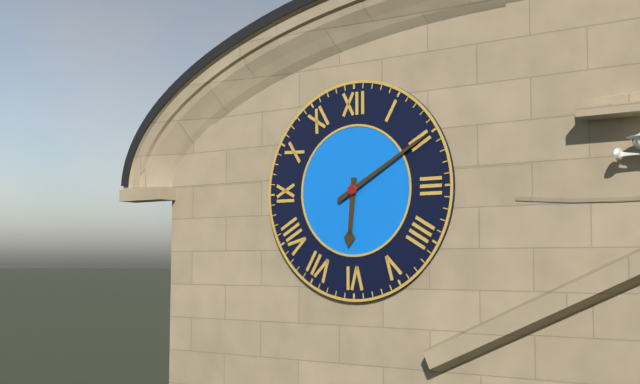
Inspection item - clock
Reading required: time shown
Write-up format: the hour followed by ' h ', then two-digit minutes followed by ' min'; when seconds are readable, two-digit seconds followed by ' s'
6 h 10 min
